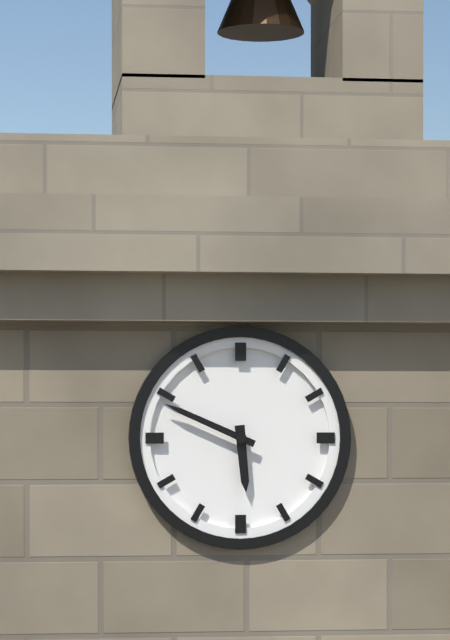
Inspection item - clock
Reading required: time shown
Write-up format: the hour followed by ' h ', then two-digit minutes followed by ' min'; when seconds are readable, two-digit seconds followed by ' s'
5 h 49 min
